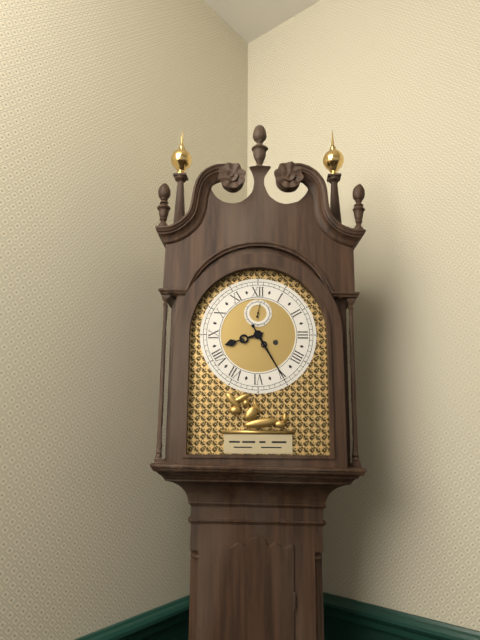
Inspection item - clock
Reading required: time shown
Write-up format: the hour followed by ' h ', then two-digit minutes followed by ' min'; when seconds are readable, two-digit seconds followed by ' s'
8 h 25 min
